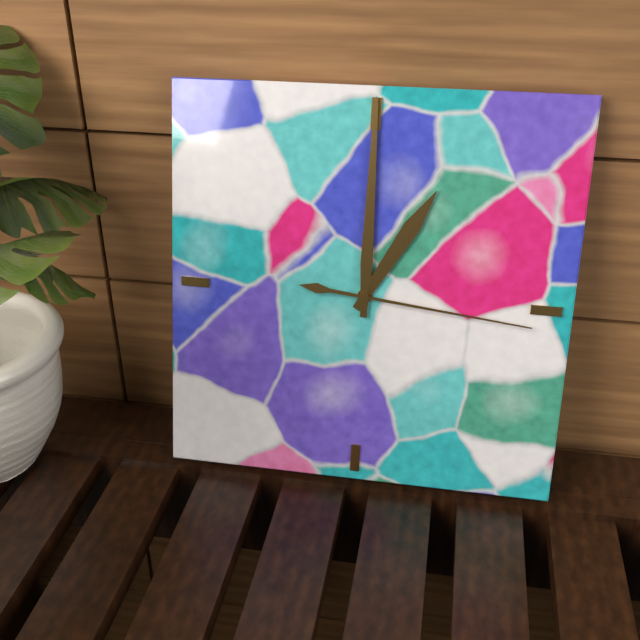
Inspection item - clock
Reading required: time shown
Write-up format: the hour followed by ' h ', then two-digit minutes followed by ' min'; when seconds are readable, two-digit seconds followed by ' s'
1 h 00 min 16 s
